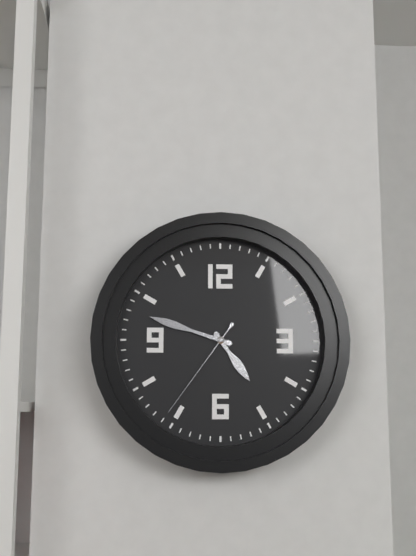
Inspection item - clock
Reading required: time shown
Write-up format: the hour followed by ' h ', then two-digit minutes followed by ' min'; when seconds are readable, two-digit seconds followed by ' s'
4 h 48 min 36 s
